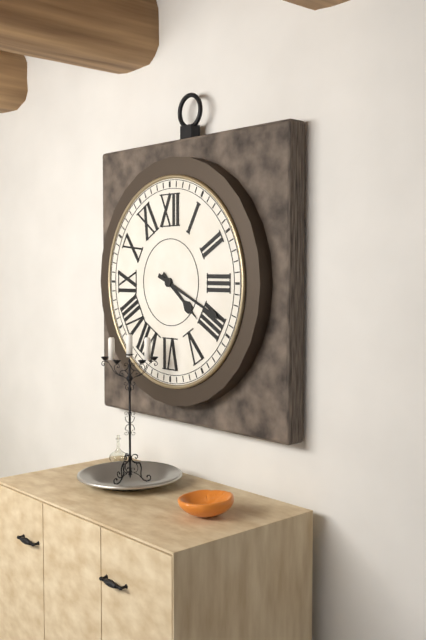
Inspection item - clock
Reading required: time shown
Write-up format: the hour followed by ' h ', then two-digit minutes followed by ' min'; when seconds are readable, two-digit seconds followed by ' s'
4 h 19 min
